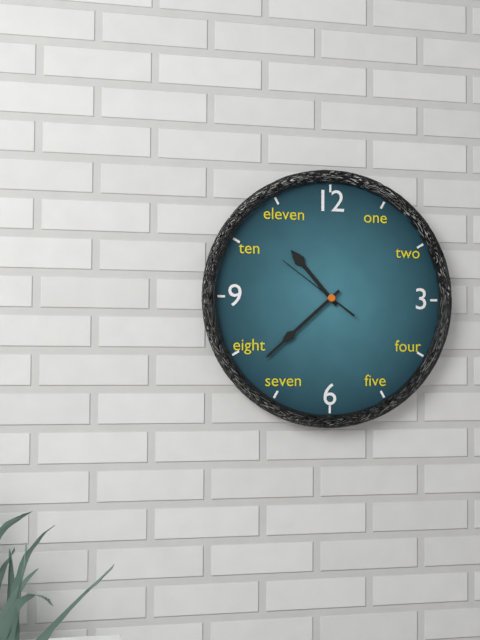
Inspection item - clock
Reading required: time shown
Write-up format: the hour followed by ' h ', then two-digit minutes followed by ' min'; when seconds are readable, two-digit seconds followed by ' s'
10 h 38 min 51 s
